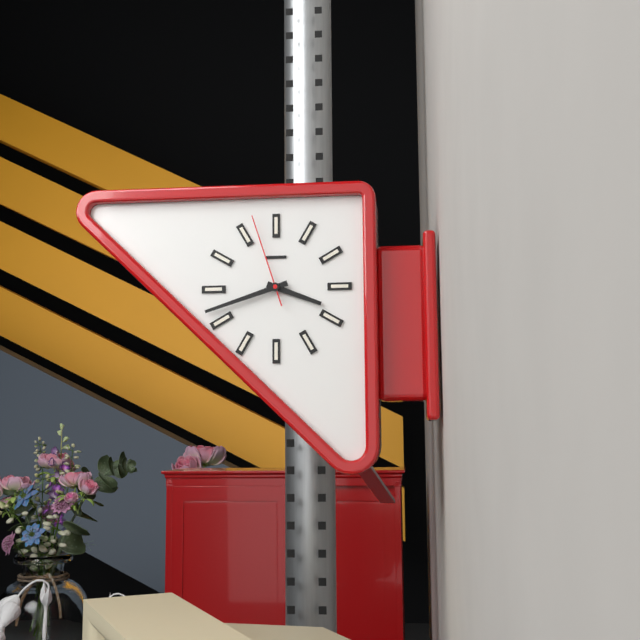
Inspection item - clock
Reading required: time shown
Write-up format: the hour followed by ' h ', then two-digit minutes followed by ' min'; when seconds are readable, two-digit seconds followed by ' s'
3 h 42 min 57 s
